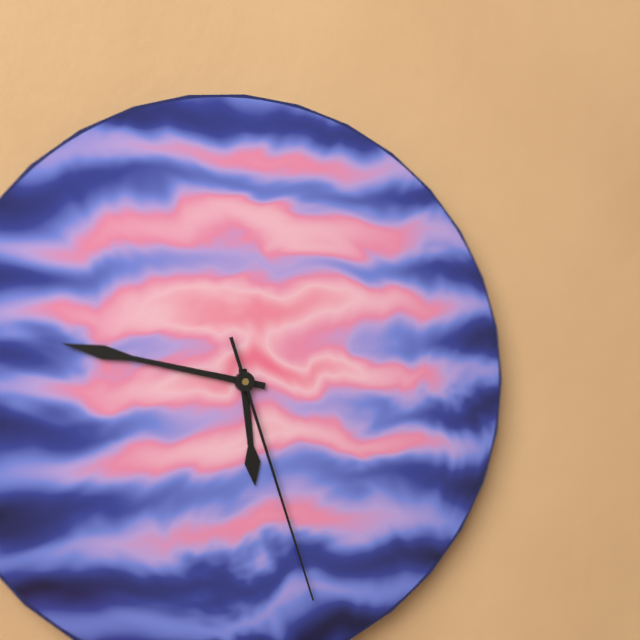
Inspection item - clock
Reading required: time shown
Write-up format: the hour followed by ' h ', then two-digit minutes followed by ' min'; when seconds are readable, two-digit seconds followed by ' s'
5 h 47 min 27 s
